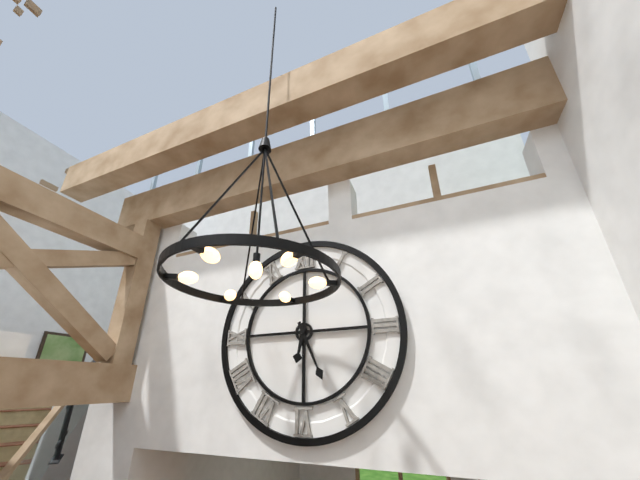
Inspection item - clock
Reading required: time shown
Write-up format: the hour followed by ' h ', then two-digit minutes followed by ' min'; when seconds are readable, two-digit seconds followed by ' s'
6 h 26 min
